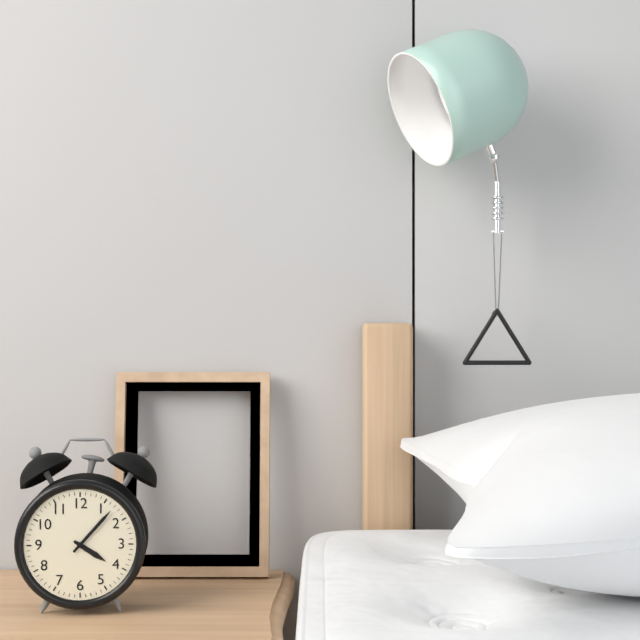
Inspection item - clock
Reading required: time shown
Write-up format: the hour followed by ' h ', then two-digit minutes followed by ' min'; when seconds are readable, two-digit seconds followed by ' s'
4 h 07 min
